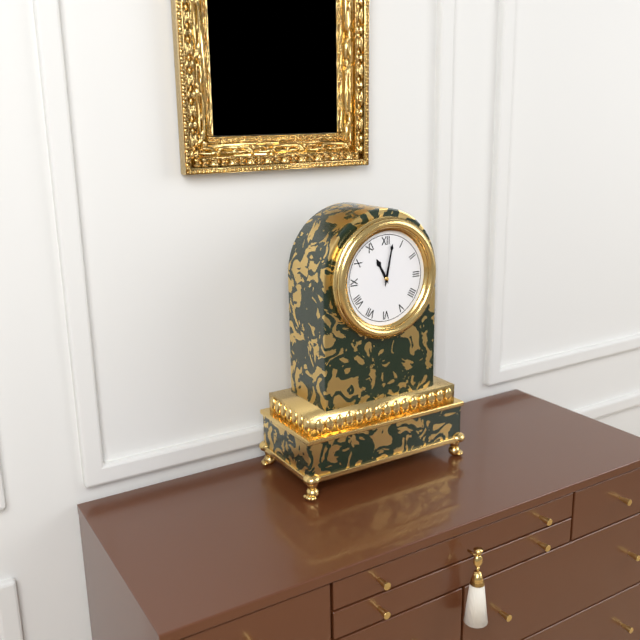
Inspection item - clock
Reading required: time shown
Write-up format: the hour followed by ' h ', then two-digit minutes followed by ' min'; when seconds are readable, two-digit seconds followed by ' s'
11 h 02 min
